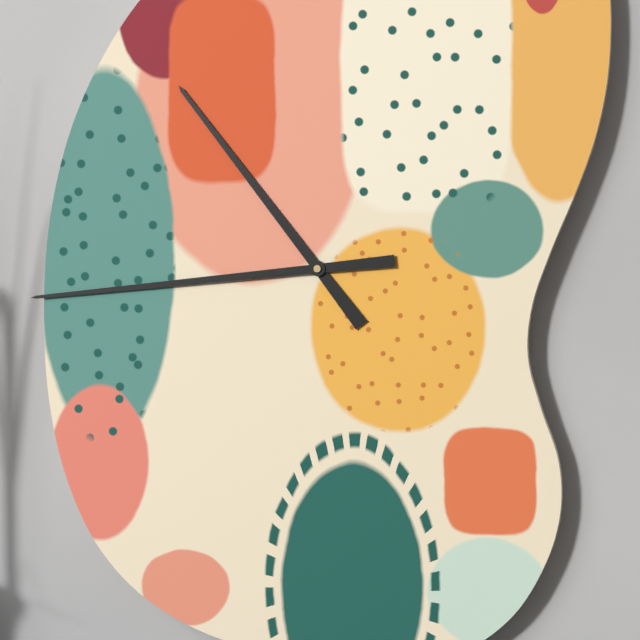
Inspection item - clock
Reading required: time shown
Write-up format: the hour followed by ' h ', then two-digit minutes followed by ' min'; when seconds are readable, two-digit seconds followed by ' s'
10 h 44 min
